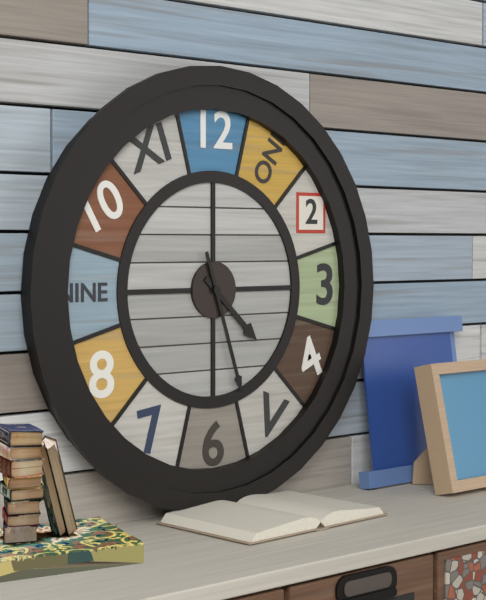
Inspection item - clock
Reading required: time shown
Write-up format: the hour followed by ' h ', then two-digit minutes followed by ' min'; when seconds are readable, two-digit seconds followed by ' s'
4 h 27 min
